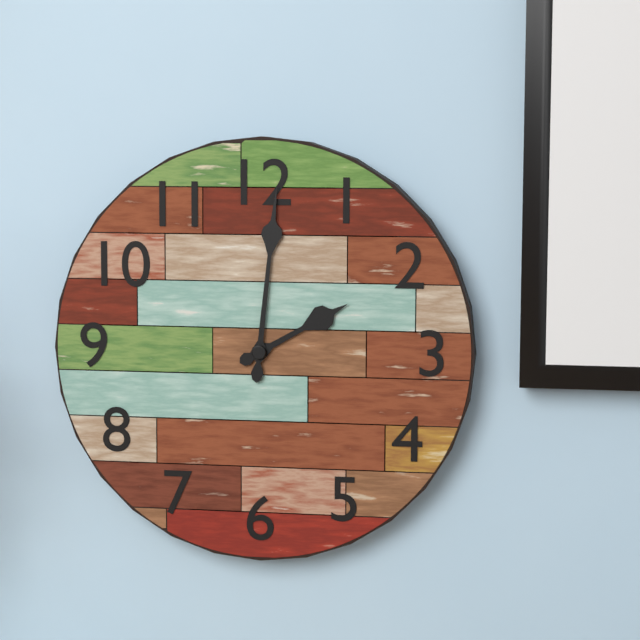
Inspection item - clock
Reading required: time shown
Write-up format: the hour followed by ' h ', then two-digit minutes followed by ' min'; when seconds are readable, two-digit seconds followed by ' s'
2 h 01 min
